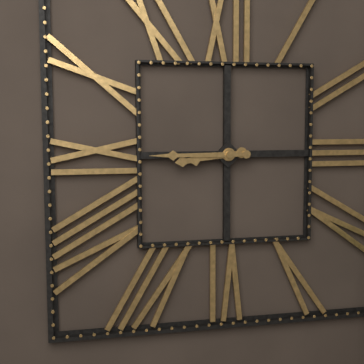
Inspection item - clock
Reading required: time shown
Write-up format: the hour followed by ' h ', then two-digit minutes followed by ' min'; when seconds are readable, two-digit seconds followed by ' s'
8 h 45 min
